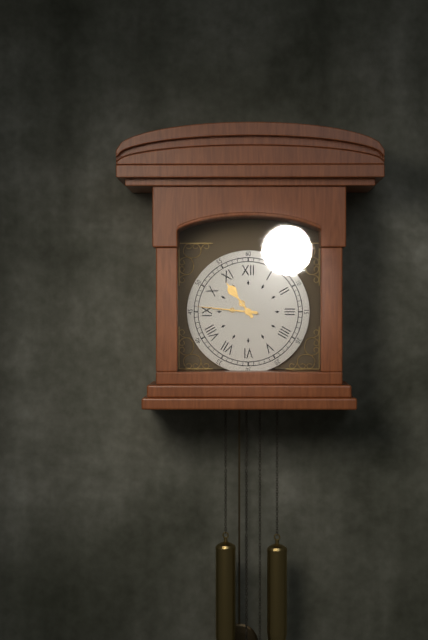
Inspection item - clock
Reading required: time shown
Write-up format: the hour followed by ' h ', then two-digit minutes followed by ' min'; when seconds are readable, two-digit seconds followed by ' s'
10 h 46 min
